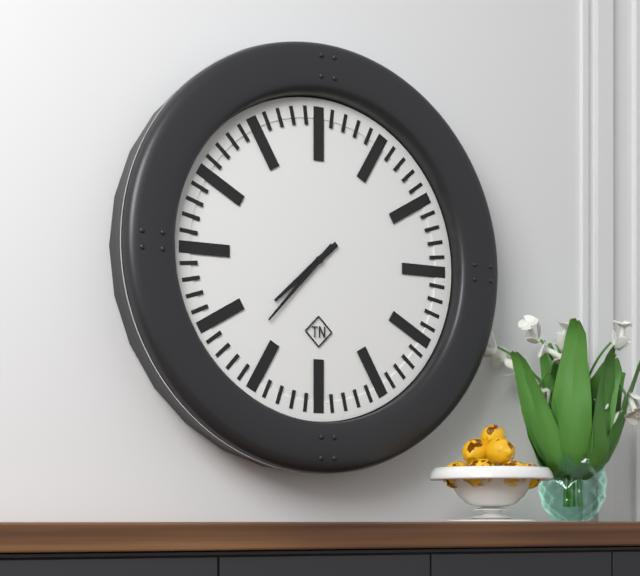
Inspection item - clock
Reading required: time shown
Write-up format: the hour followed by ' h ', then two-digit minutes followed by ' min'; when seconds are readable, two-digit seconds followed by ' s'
7 h 37 min
